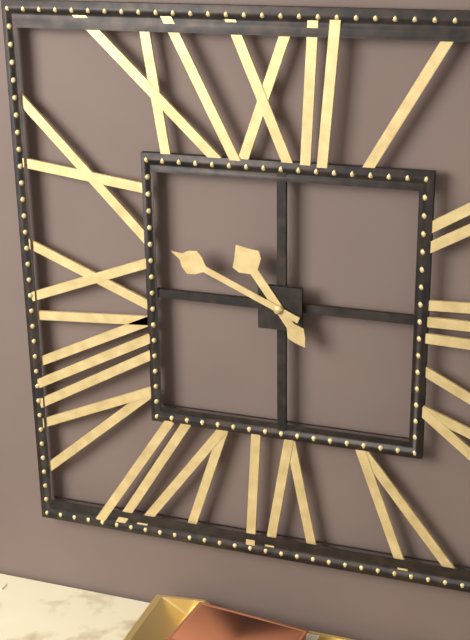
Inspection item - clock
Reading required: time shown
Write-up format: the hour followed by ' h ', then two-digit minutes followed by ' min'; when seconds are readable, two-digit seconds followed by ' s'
10 h 49 min
